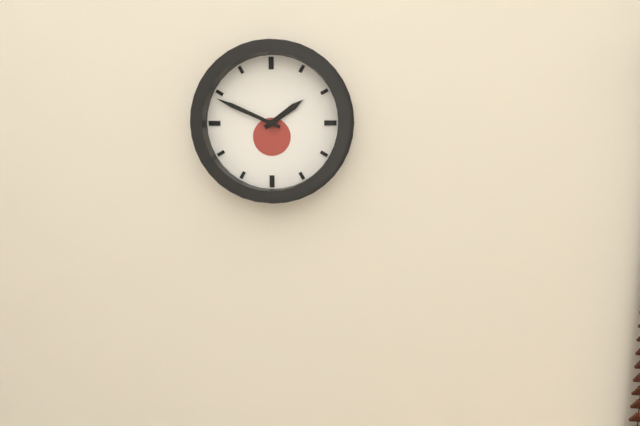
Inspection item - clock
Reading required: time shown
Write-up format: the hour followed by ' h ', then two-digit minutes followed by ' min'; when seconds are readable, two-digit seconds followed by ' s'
1 h 49 min
